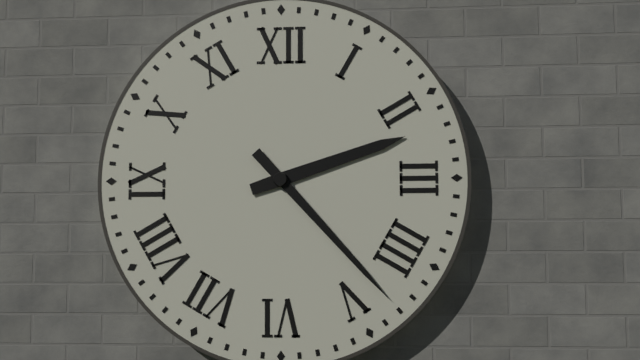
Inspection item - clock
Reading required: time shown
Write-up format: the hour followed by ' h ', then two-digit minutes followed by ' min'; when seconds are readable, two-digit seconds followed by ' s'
2 h 23 min
